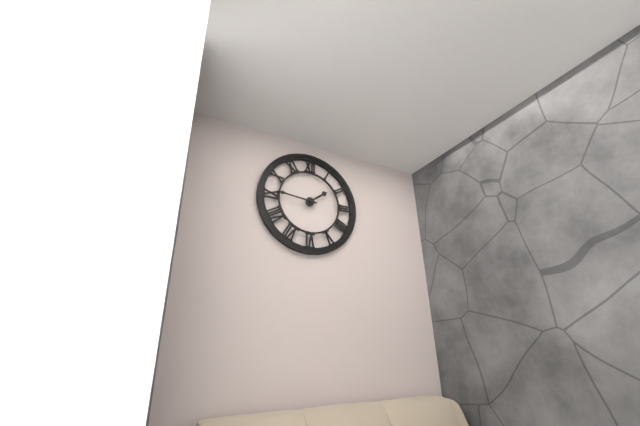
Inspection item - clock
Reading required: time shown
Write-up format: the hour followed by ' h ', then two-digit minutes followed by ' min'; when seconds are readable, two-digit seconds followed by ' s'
1 h 46 min
